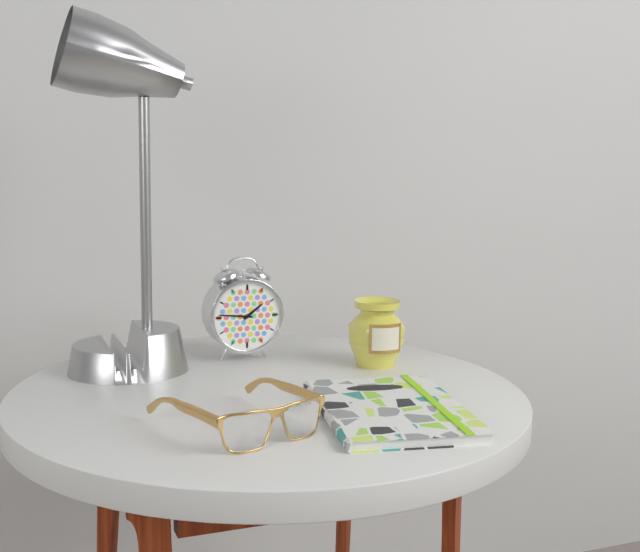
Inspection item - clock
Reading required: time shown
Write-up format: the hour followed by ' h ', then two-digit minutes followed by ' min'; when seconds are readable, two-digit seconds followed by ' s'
1 h 46 min
